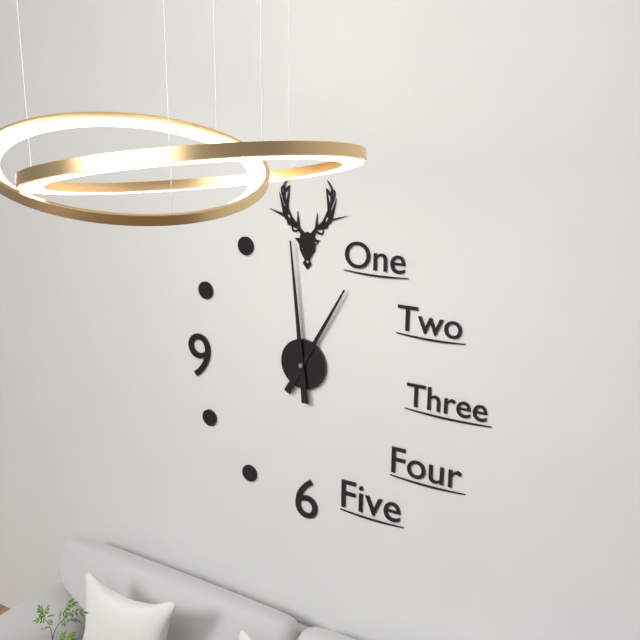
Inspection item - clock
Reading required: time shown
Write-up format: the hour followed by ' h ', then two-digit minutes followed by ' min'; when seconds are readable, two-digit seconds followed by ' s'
12 h 59 min
